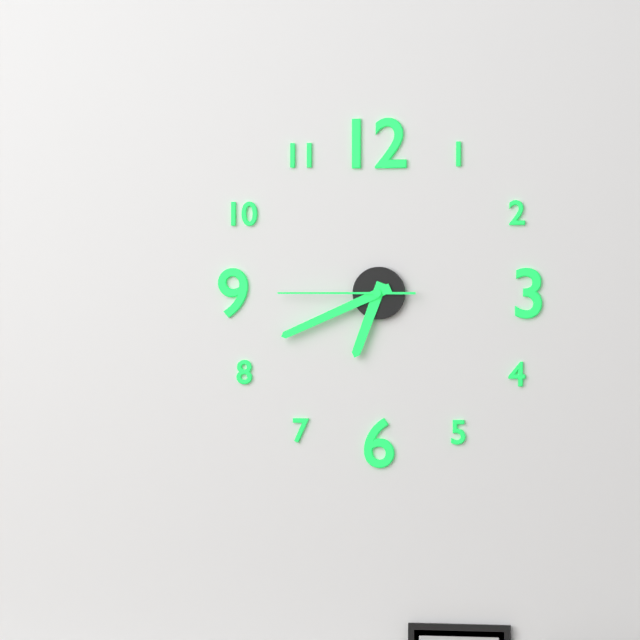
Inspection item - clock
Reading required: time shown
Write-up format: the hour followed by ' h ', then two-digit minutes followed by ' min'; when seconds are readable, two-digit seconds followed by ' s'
6 h 41 min 45 s
